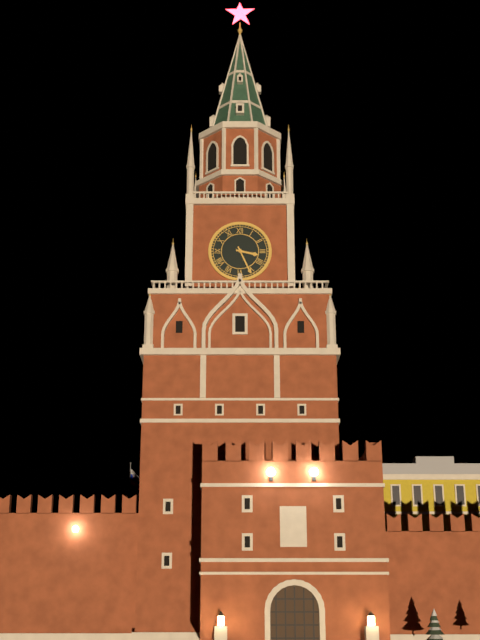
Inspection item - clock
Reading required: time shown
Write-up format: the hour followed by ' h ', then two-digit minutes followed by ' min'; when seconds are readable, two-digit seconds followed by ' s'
3 h 26 min
